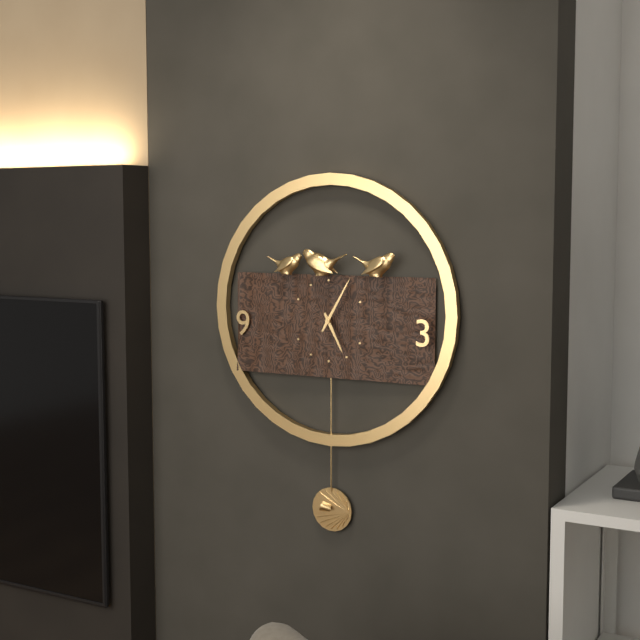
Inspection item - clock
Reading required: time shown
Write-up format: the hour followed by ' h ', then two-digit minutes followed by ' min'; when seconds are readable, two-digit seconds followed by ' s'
5 h 05 min
